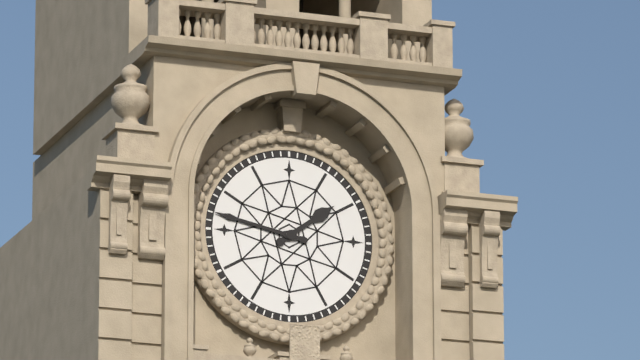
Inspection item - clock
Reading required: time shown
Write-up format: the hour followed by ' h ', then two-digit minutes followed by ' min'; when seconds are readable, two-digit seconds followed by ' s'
1 h 47 min
